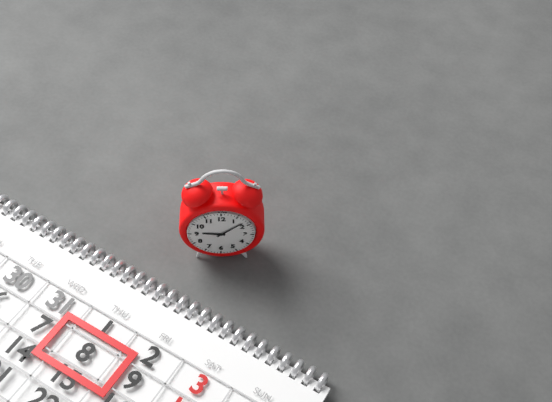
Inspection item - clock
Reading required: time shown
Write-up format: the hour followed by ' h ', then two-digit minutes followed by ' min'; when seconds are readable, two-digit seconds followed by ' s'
9 h 08 min
